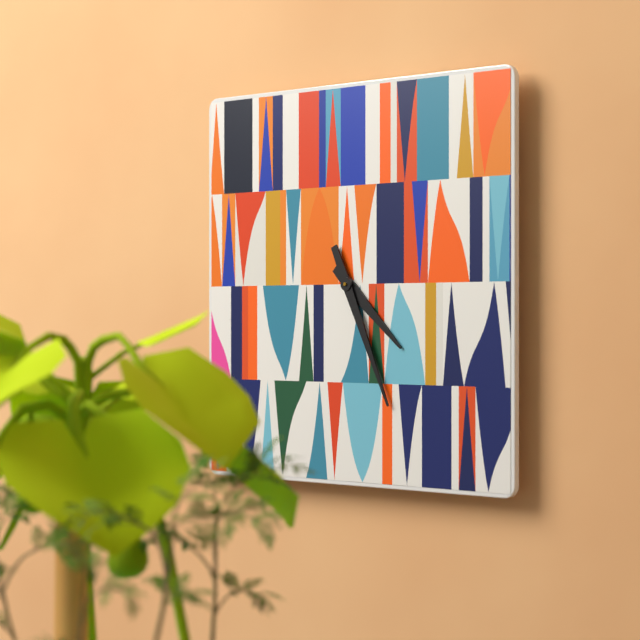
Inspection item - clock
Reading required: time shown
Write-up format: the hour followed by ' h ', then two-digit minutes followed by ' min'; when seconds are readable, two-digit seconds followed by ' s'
4 h 26 min
